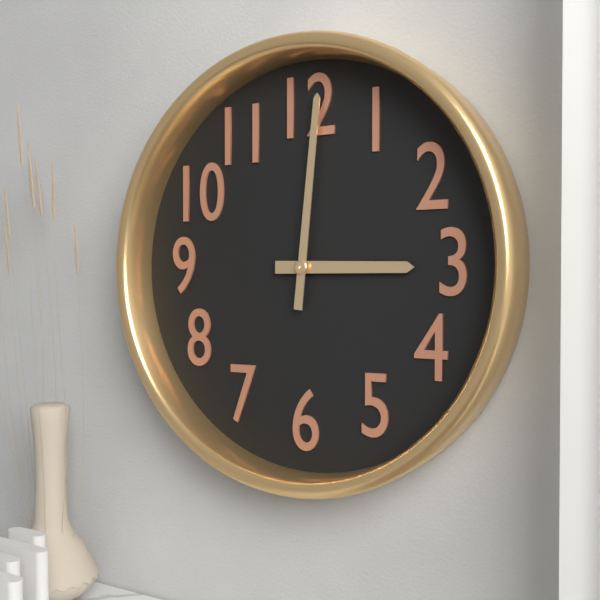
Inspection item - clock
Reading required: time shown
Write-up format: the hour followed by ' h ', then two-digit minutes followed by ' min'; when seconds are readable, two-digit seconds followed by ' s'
3 h 01 min
